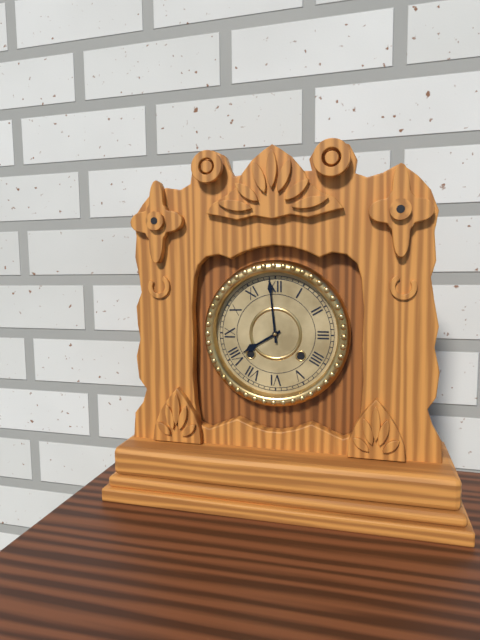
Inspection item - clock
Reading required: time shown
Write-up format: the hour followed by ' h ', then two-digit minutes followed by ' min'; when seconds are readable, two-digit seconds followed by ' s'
7 h 59 min
